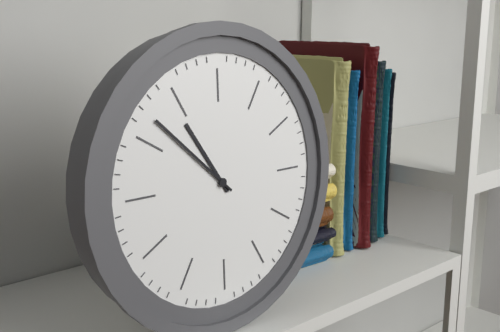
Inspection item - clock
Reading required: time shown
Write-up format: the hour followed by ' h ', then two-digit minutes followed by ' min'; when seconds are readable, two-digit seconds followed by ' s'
10 h 52 min
